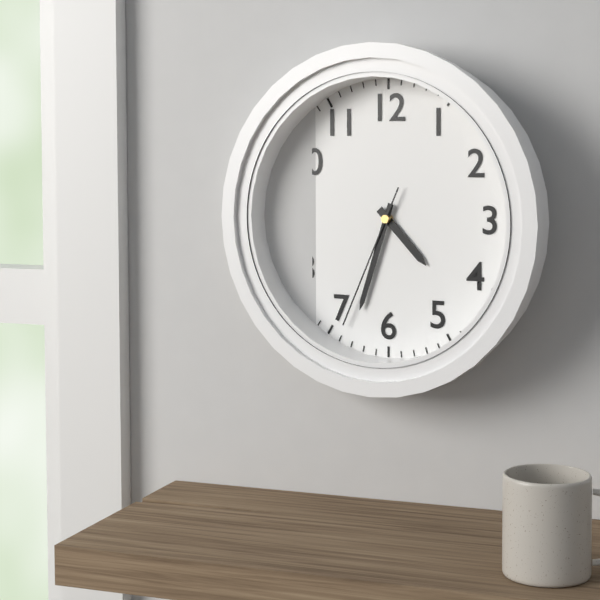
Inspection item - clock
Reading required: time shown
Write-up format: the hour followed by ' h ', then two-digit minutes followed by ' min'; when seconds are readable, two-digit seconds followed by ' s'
4 h 33 min 34 s
